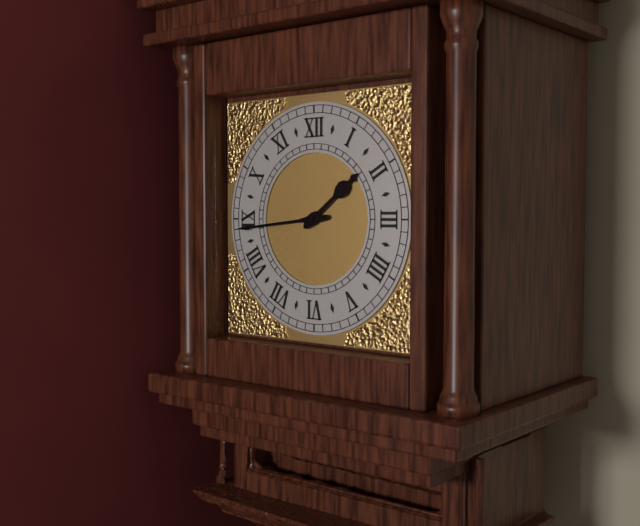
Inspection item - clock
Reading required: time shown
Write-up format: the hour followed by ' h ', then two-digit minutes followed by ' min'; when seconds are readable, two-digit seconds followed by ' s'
1 h 44 min
